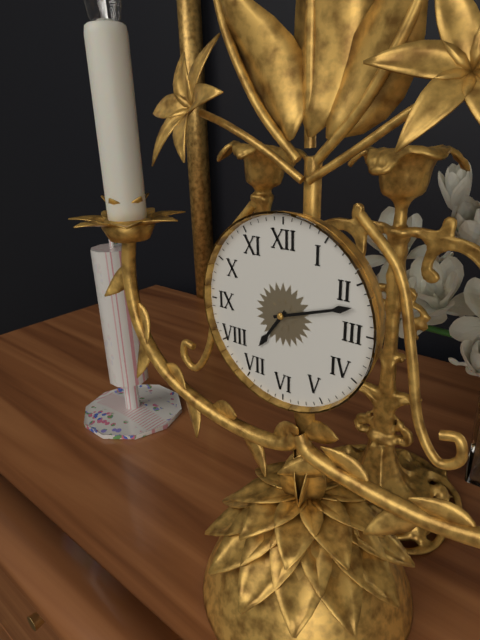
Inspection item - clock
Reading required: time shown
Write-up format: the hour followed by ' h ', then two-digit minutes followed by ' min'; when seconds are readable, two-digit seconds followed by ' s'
7 h 12 min
